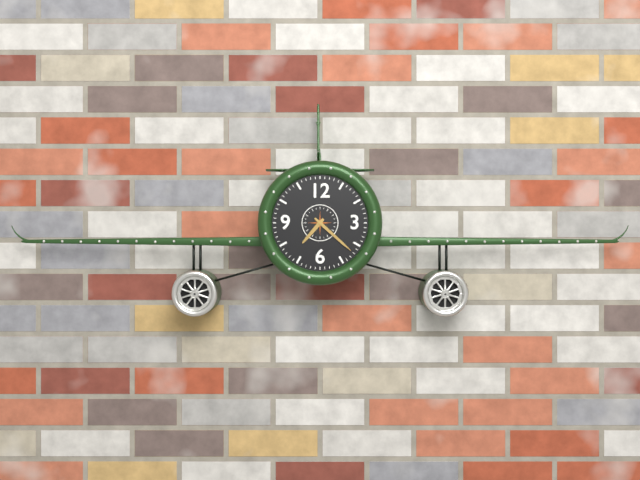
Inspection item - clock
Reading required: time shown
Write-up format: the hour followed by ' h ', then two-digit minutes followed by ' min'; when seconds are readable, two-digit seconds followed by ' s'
7 h 22 min
